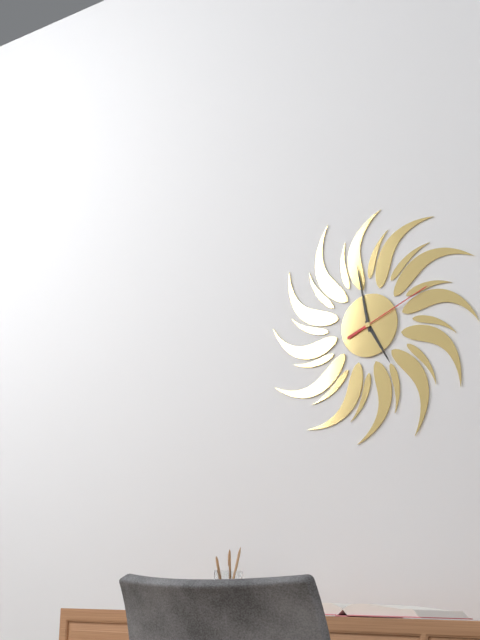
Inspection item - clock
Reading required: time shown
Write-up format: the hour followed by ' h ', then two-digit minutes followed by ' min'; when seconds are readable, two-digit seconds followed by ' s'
4 h 58 min 11 s
